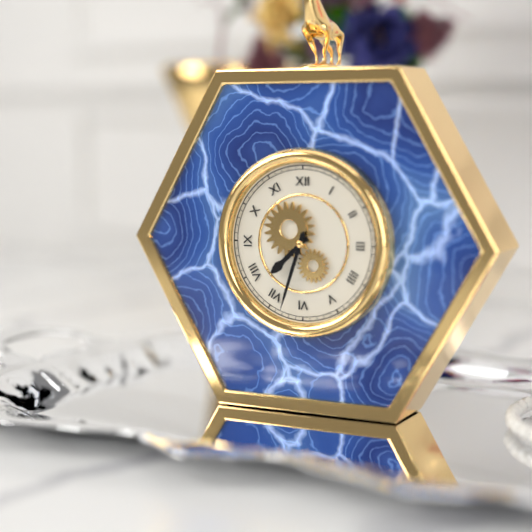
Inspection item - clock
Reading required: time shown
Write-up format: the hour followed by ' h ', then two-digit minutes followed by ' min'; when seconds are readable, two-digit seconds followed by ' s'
7 h 33 min
